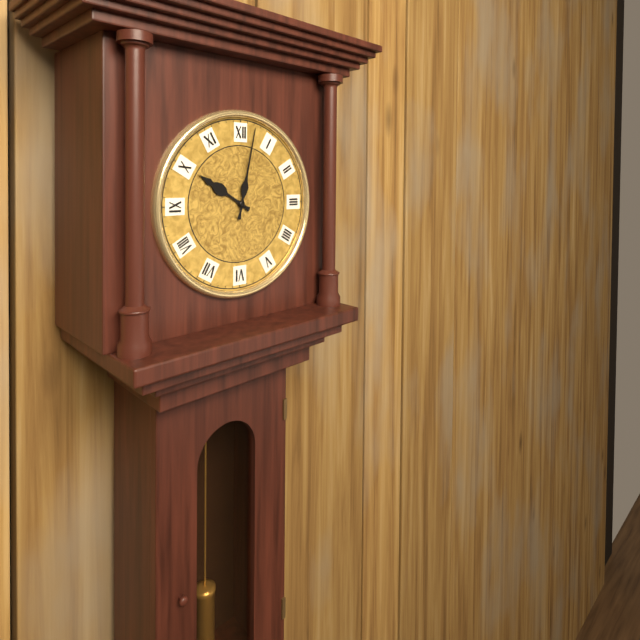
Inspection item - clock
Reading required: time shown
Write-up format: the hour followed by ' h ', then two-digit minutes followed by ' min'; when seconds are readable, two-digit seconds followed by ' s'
10 h 02 min
